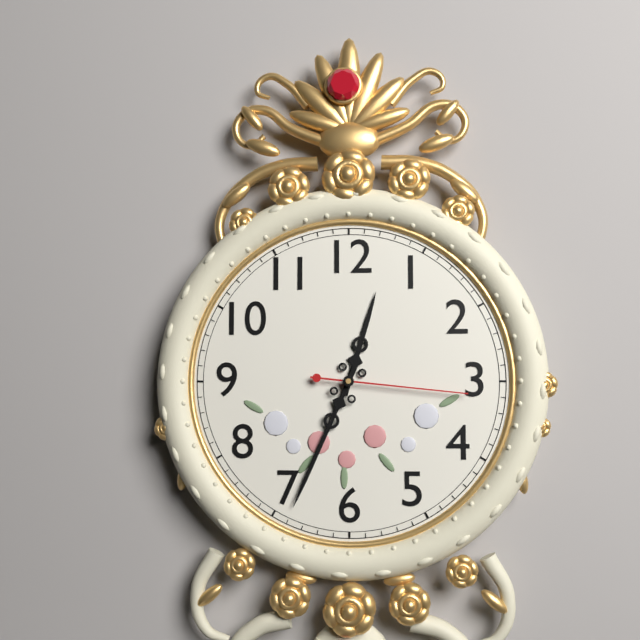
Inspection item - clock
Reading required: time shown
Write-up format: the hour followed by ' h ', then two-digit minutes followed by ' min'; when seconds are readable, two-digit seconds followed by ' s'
12 h 34 min 16 s
